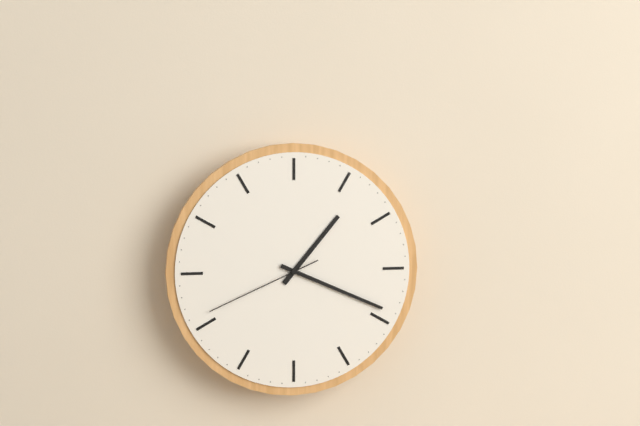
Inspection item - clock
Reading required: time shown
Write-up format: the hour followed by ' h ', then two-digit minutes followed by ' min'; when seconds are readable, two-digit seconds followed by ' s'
1 h 19 min 41 s
